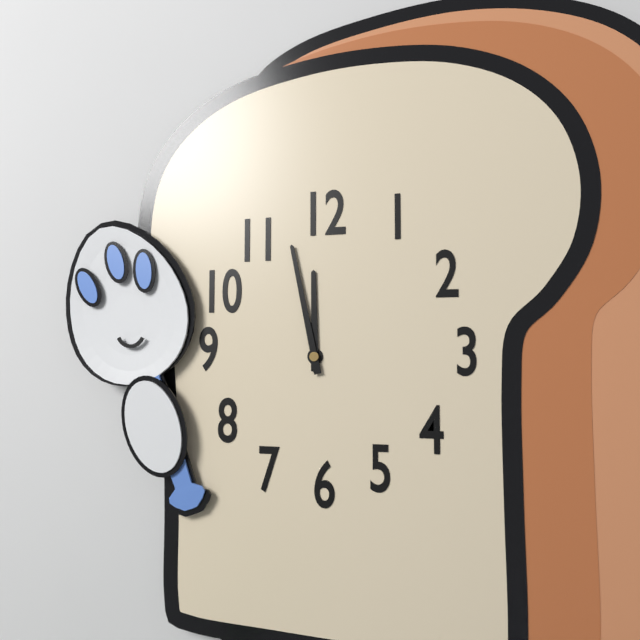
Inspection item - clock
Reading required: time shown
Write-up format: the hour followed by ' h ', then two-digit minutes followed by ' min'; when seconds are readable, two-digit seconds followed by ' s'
11 h 58 min
